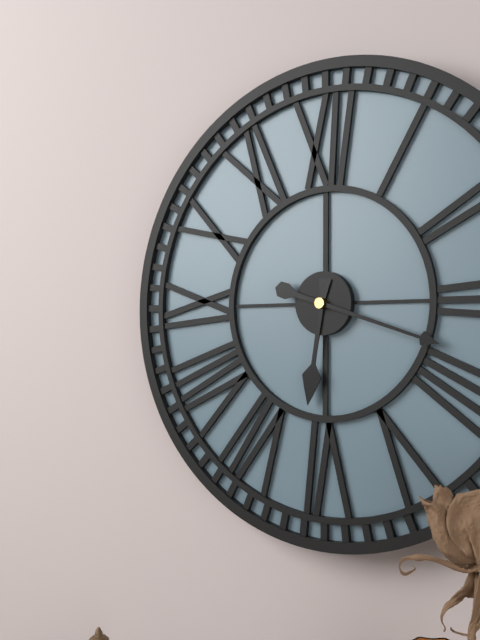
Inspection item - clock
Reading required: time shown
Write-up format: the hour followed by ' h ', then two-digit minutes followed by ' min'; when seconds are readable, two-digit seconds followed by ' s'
6 h 18 min
